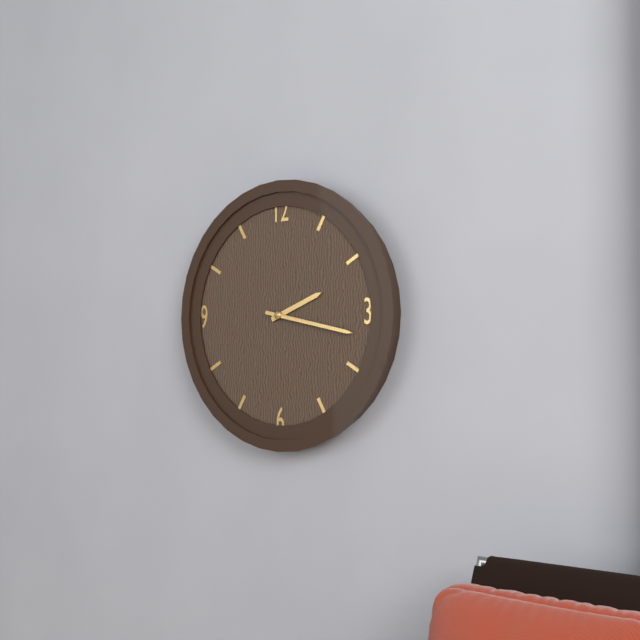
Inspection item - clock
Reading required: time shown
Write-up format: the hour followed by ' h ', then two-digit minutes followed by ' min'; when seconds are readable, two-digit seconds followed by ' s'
2 h 17 min
